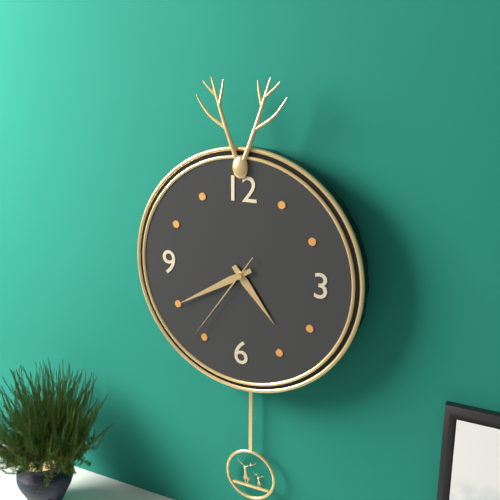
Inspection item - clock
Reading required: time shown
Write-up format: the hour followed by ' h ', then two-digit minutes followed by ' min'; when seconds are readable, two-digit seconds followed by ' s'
4 h 40 min 36 s
